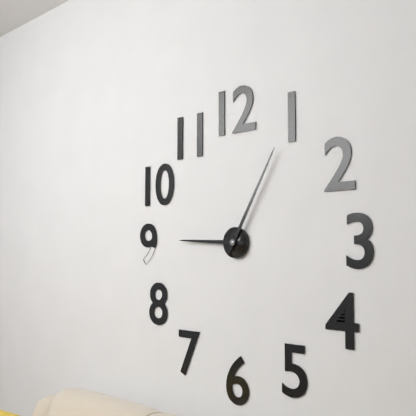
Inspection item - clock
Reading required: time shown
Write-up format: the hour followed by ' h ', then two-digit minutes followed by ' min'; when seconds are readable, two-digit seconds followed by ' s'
9 h 05 min
